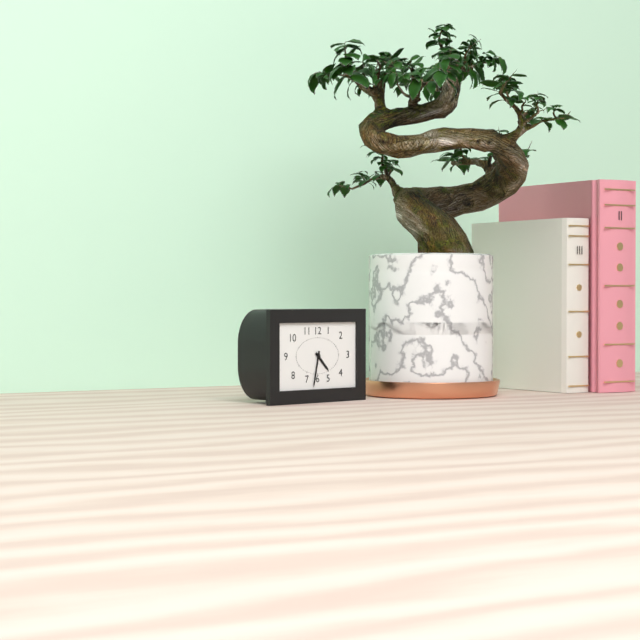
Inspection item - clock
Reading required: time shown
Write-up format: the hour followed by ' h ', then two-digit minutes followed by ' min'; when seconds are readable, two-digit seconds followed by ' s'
4 h 32 min
